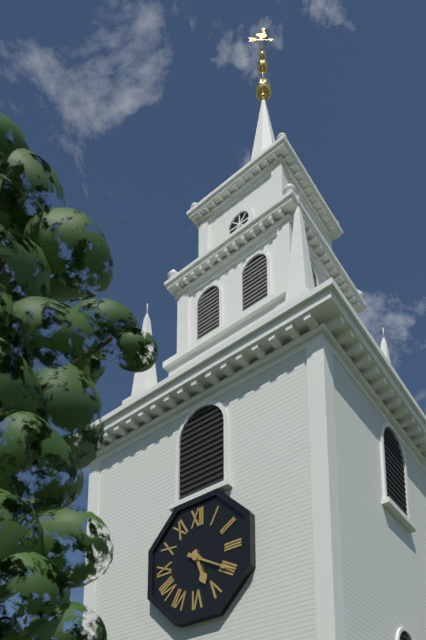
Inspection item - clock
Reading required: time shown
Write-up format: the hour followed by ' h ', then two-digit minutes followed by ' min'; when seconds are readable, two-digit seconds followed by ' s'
5 h 20 min
